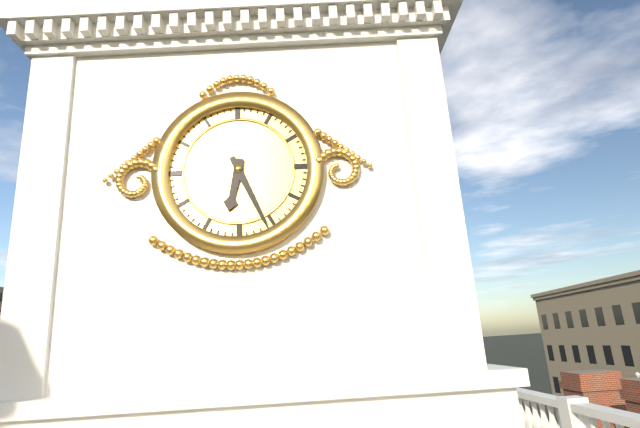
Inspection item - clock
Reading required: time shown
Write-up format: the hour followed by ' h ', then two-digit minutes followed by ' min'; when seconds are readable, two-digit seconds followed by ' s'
6 h 26 min
